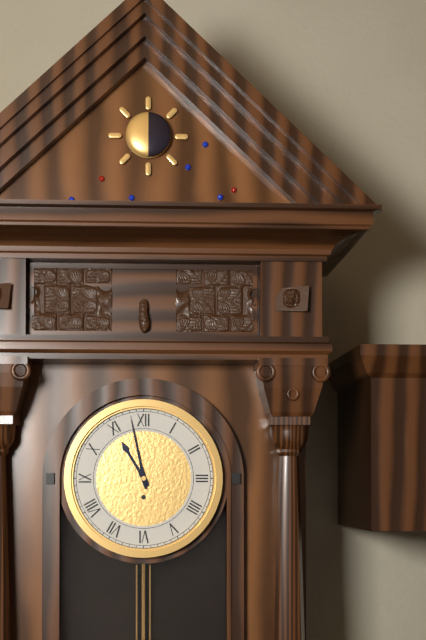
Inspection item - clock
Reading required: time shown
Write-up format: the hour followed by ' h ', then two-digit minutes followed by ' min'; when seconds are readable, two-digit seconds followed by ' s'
10 h 58 min
